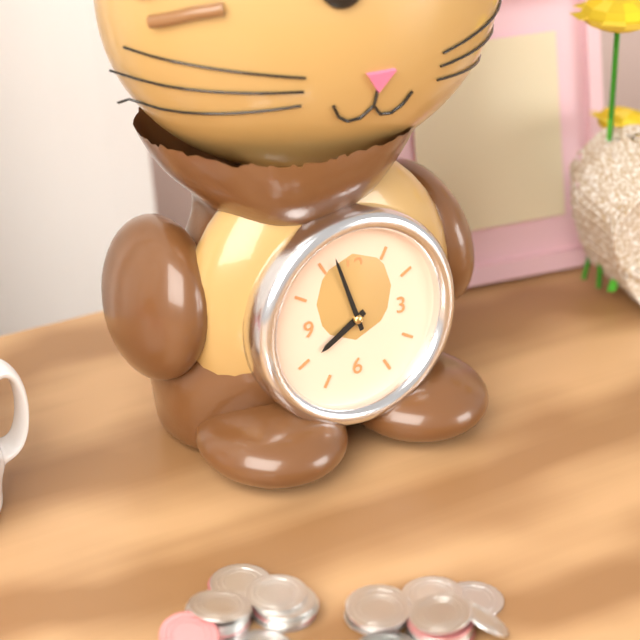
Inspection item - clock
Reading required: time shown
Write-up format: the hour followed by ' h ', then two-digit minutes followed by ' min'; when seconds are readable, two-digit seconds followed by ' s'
7 h 57 min
